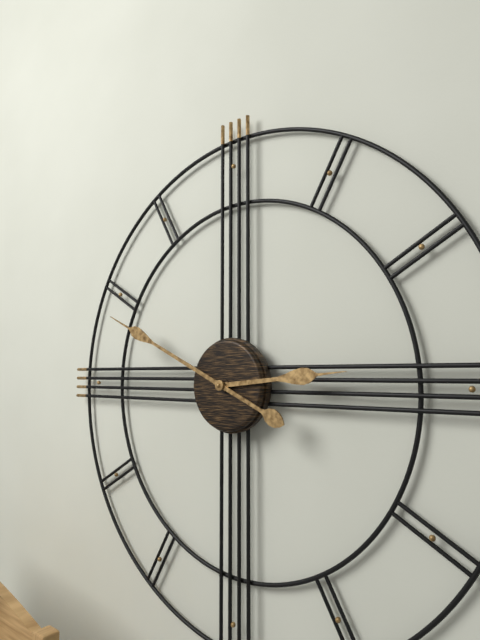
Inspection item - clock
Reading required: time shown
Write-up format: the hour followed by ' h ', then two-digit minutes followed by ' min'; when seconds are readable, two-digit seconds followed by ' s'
2 h 49 min
